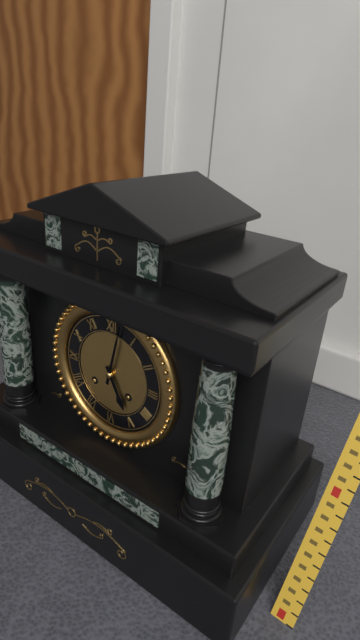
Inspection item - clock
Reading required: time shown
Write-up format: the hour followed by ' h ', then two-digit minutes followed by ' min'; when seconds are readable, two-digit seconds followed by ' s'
5 h 02 min
